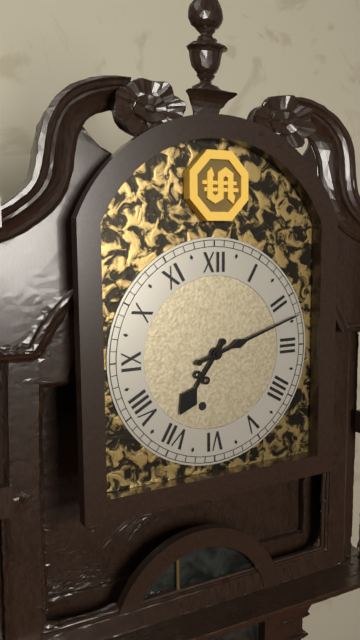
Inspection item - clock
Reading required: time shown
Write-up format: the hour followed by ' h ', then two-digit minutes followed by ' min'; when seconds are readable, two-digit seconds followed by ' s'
7 h 12 min
